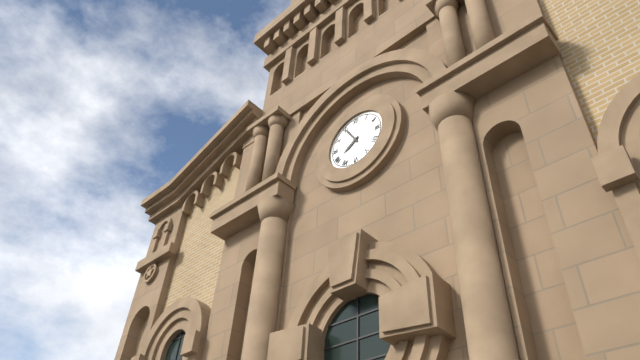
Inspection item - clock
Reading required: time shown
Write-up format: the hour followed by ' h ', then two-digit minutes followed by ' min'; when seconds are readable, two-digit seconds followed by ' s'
7 h 55 min
